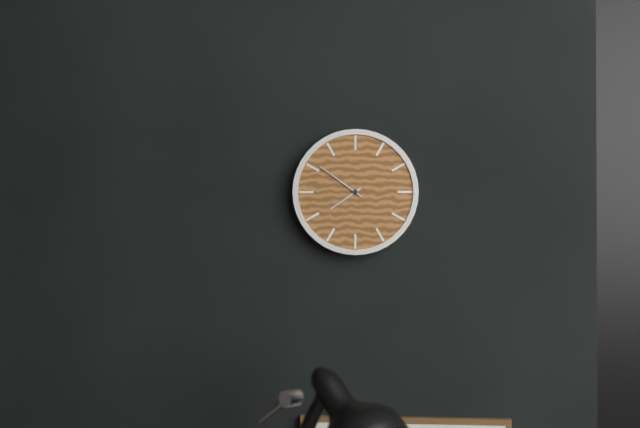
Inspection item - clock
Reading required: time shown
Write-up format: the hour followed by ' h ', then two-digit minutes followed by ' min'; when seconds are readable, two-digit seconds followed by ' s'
7 h 51 min
